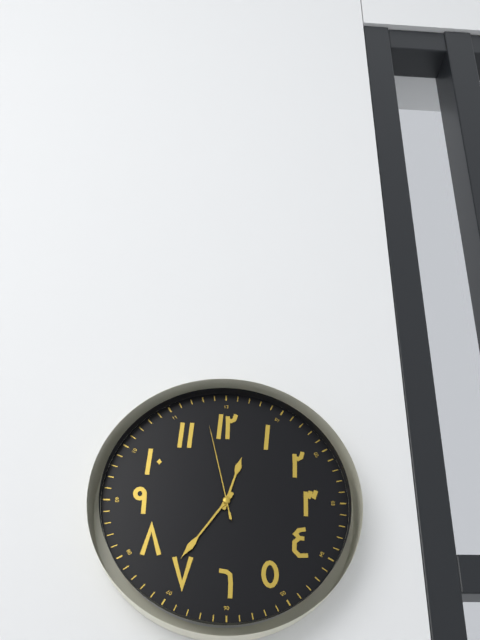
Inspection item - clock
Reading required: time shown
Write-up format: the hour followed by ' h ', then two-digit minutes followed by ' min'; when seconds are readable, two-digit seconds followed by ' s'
12 h 36 min 58 s
